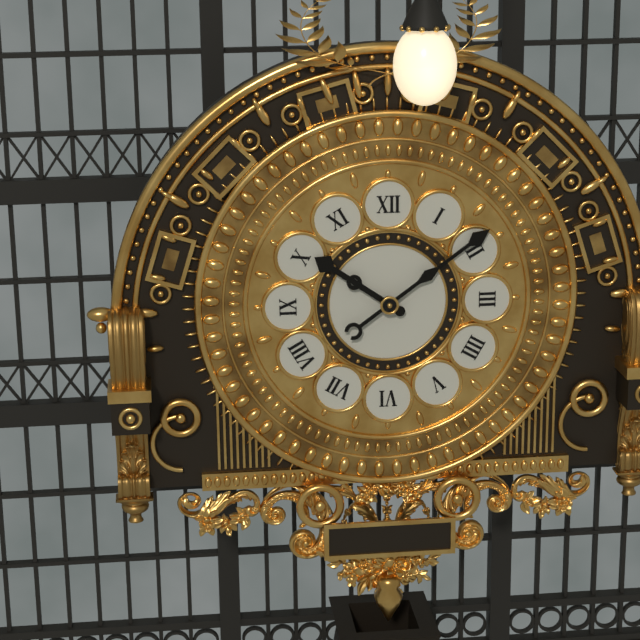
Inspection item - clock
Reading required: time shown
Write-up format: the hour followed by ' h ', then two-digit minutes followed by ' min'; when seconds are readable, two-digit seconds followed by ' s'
10 h 09 min
